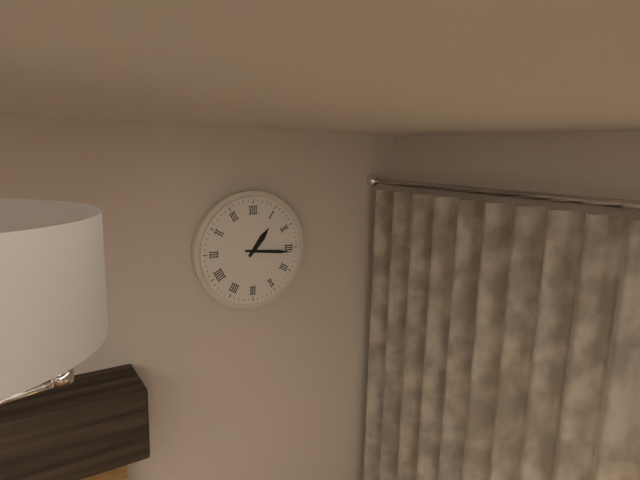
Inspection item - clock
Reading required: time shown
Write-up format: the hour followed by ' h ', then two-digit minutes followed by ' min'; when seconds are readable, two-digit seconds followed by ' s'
1 h 16 min
